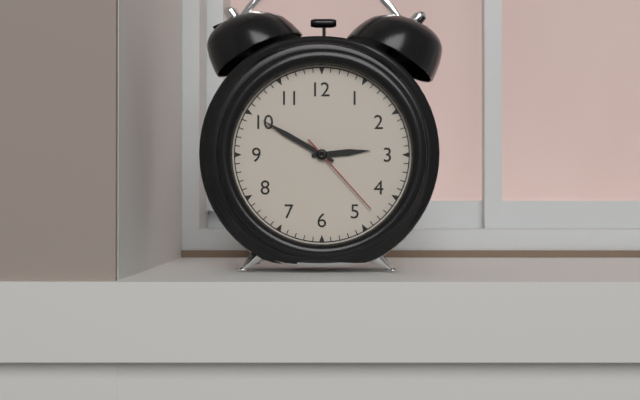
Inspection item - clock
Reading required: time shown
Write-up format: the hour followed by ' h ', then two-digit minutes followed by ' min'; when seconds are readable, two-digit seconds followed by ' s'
2 h 50 min 23 s
